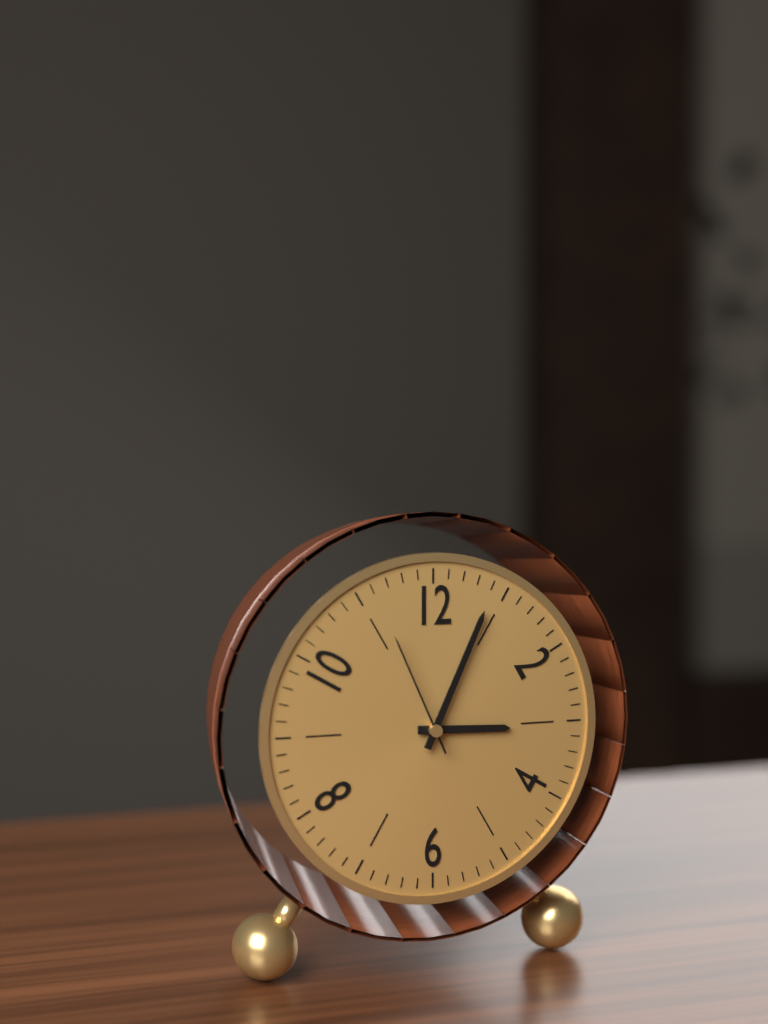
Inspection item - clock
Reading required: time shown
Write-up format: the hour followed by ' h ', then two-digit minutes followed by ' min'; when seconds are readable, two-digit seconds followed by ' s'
3 h 04 min 56 s
